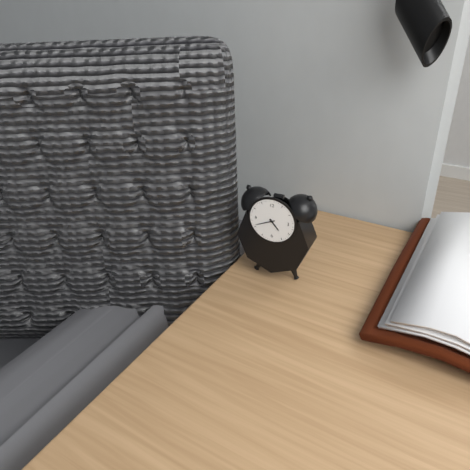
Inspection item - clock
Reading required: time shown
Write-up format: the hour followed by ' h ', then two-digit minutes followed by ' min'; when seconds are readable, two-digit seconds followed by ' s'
4 h 41 min
